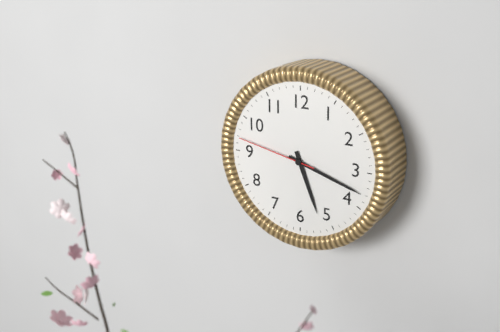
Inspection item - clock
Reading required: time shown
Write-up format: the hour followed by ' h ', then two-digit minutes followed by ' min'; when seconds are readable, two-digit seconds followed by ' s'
5 h 18 min 47 s
